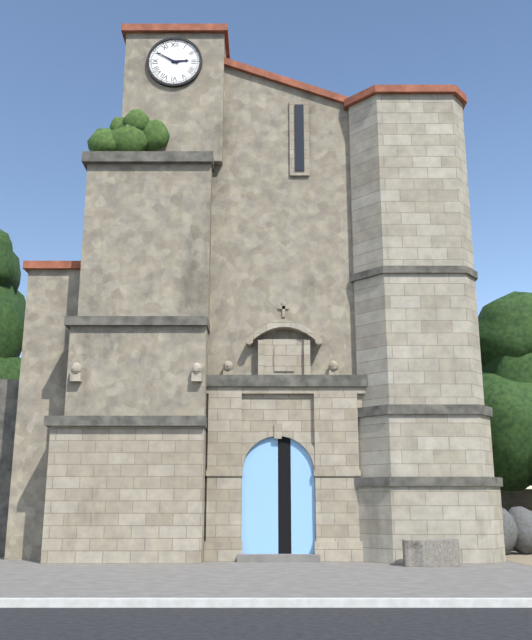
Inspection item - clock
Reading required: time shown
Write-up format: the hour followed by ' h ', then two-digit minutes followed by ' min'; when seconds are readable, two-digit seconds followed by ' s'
2 h 50 min
